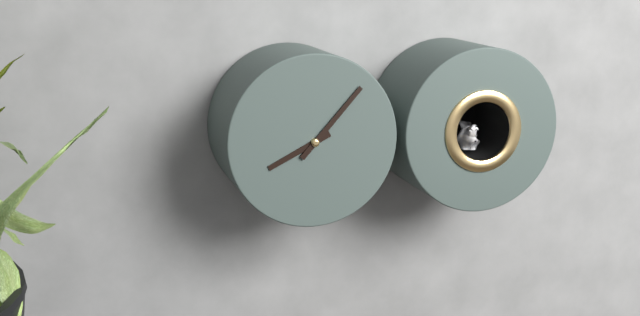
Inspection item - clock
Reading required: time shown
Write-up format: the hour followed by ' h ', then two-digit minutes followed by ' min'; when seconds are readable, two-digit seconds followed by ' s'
8 h 07 min
